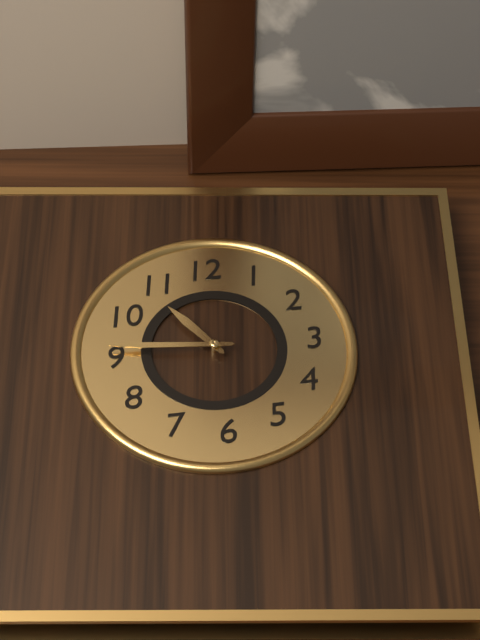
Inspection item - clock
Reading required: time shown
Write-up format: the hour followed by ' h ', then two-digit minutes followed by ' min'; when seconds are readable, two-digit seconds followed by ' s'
10 h 46 min
